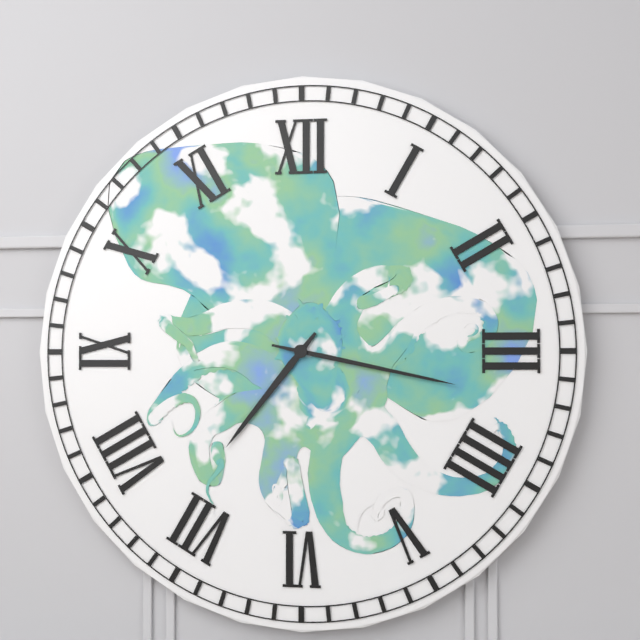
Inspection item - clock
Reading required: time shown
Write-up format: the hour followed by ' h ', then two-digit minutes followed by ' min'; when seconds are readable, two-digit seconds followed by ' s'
7 h 17 min
